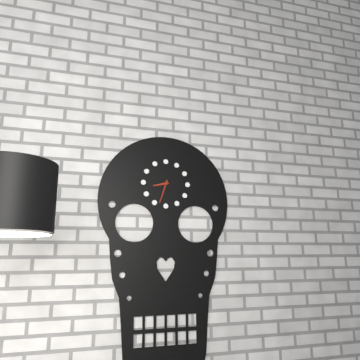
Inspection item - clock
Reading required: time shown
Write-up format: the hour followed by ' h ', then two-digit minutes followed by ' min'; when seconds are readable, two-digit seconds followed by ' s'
8 h 33 min
